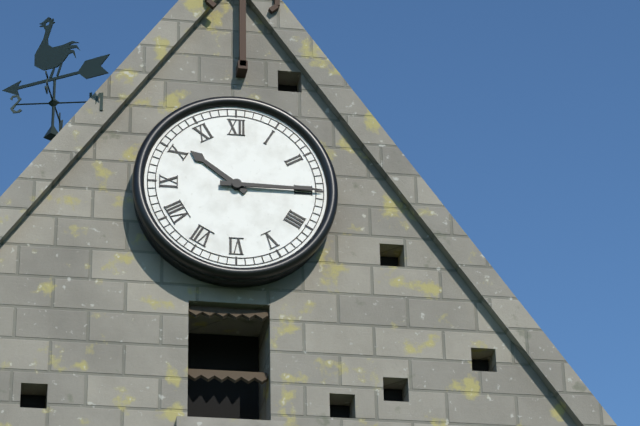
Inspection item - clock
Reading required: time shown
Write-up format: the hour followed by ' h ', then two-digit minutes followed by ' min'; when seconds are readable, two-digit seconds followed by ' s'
10 h 15 min
